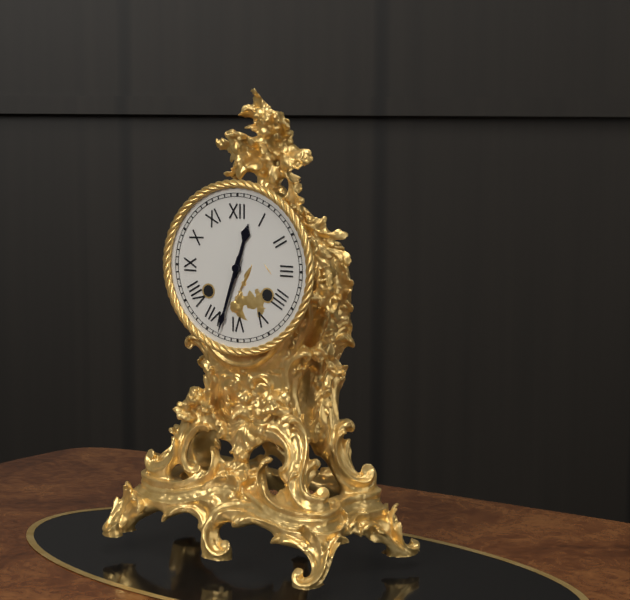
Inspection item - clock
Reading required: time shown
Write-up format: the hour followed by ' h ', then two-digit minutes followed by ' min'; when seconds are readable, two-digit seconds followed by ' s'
12 h 33 min
